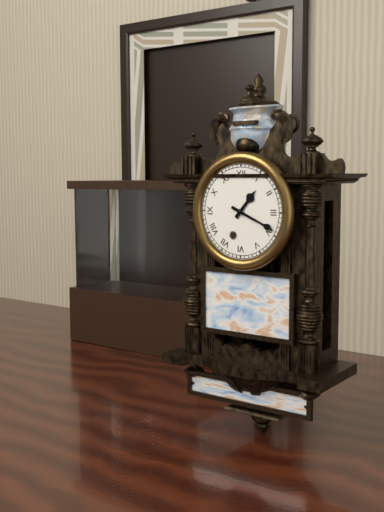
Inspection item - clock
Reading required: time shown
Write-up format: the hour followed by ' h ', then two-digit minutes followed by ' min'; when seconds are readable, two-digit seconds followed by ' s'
1 h 19 min
